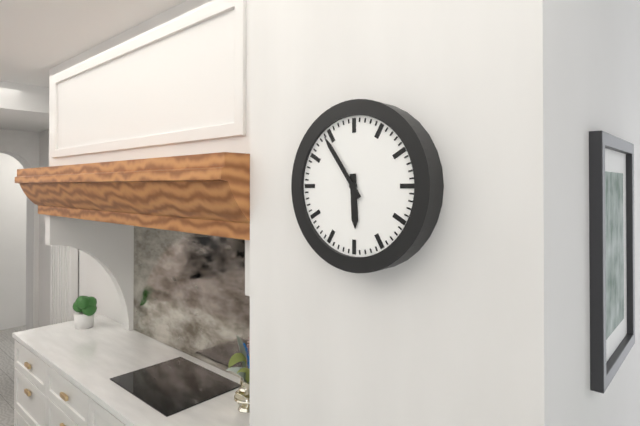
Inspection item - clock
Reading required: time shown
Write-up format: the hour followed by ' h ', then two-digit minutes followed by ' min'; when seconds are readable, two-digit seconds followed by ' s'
5 h 54 min
